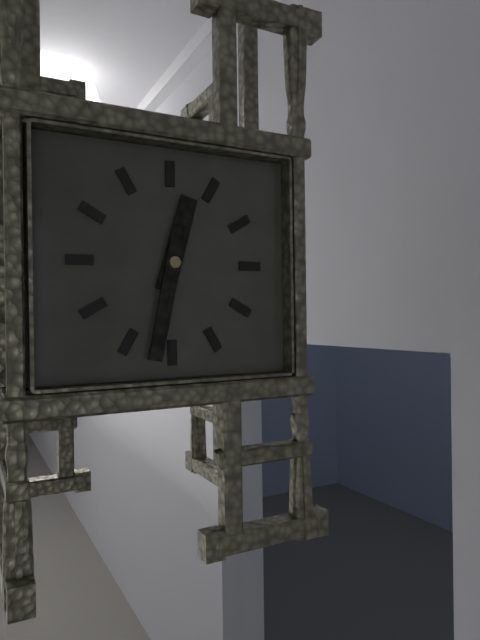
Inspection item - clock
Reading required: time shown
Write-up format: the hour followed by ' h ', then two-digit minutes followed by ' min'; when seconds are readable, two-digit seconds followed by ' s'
12 h 32 min
